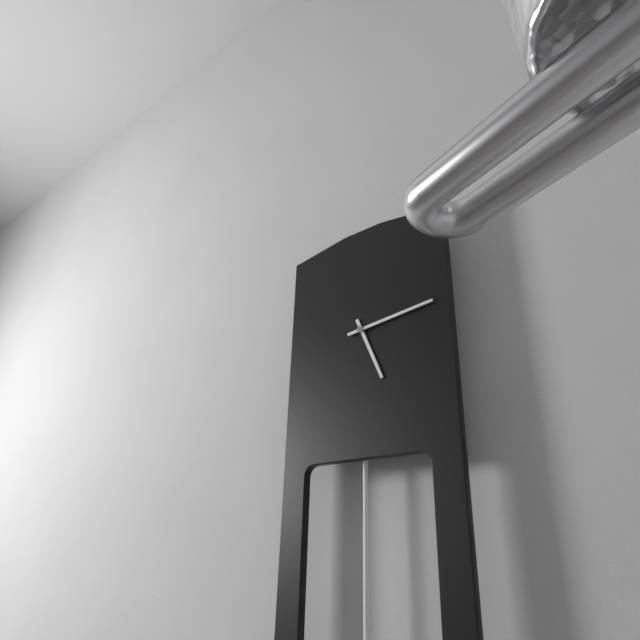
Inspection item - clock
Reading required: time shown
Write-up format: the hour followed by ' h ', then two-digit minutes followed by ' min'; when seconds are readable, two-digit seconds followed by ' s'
5 h 14 min
